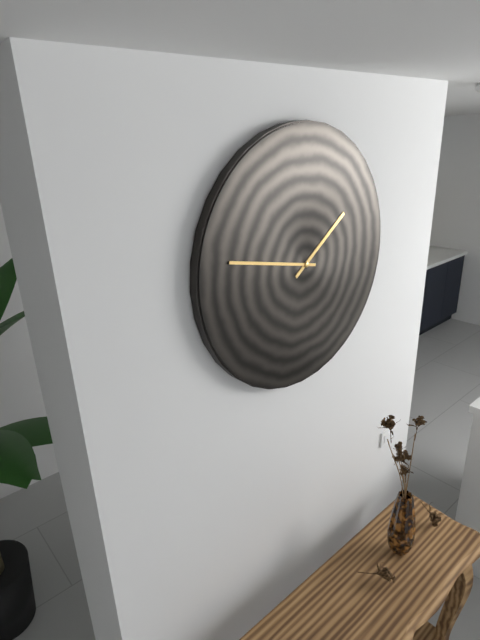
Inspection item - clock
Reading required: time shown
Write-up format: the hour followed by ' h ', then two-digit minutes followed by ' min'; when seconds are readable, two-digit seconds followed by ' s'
1 h 47 min
